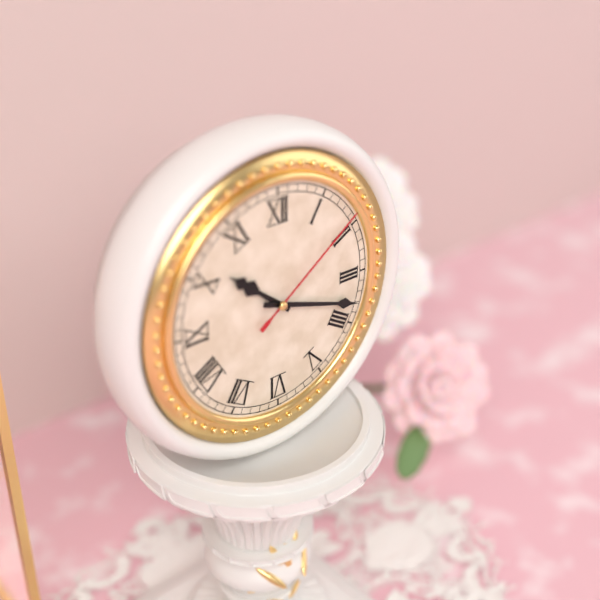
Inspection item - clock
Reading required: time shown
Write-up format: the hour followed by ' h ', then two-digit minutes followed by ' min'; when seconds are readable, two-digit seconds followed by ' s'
10 h 18 min 09 s
